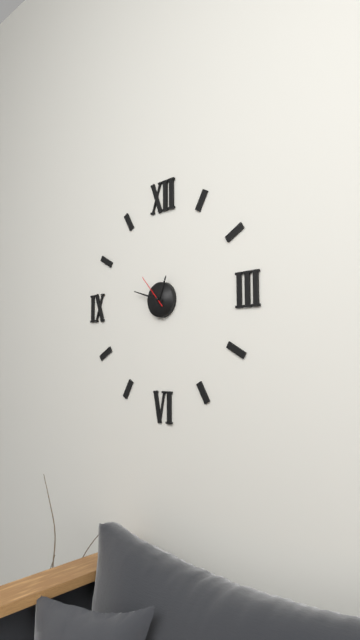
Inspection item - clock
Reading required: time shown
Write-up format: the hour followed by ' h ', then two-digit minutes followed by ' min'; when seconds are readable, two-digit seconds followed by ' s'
12 h 48 min
